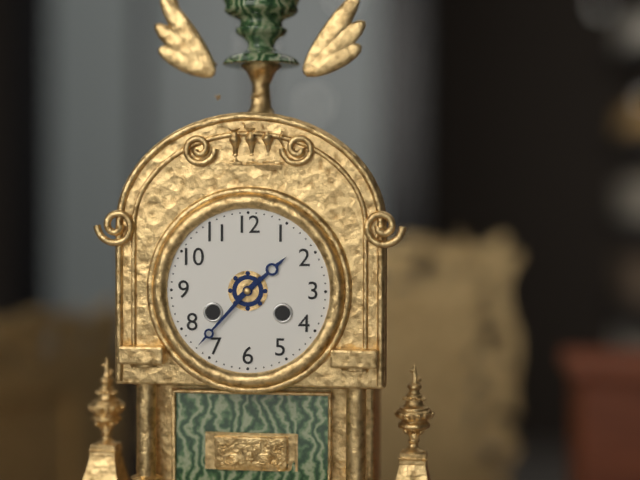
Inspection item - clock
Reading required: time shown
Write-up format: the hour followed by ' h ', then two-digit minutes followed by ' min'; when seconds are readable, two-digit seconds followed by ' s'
1 h 37 min
